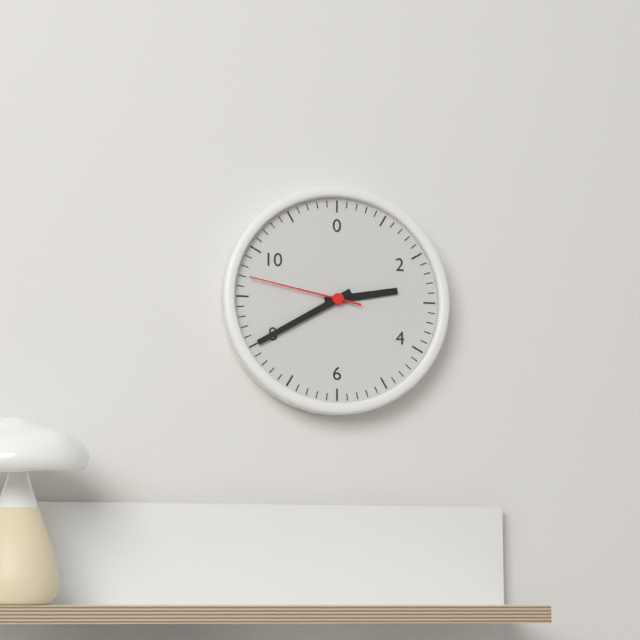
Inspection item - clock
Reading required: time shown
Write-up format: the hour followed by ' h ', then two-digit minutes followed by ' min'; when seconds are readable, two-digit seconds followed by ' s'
2 h 40 min 47 s
